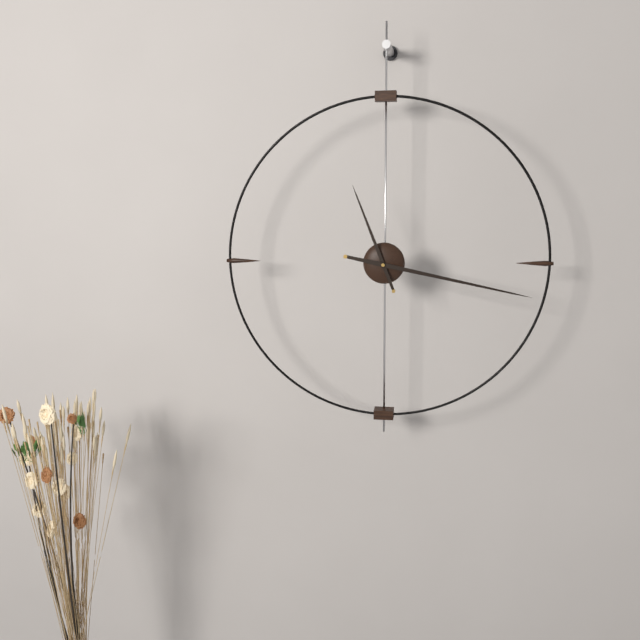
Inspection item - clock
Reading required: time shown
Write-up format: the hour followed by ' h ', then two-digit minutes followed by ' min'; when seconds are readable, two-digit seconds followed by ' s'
11 h 17 min
